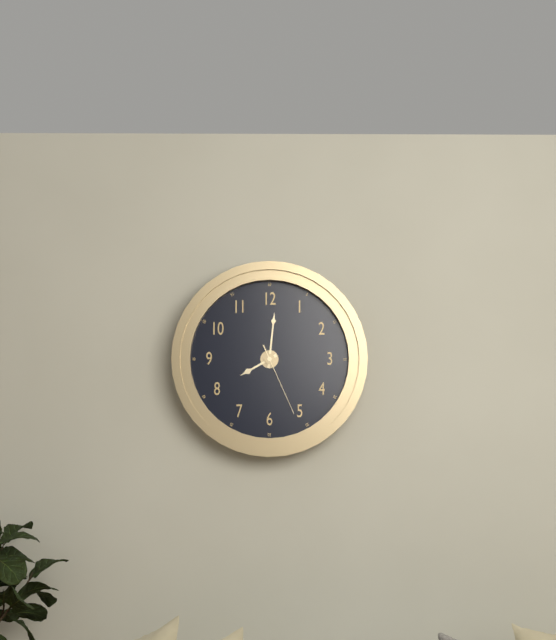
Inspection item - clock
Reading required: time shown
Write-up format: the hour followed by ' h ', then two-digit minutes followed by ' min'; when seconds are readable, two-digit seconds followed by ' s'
8 h 01 min 26 s
